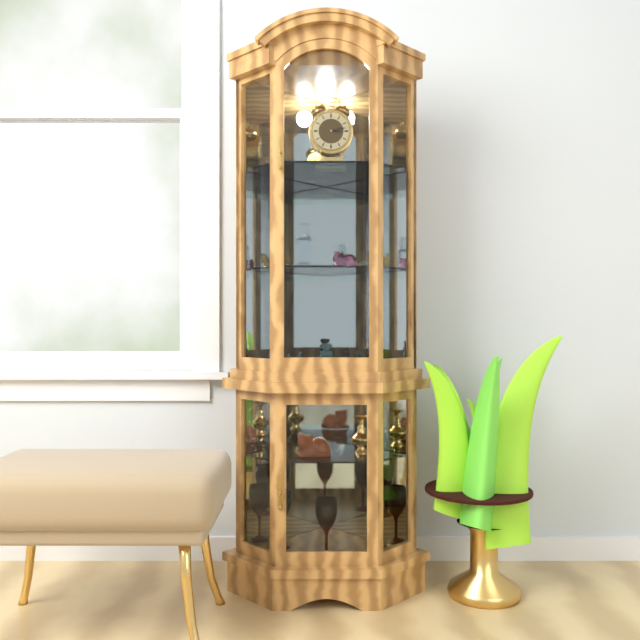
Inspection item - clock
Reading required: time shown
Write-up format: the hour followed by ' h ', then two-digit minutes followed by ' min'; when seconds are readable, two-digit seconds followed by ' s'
3 h 13 min
